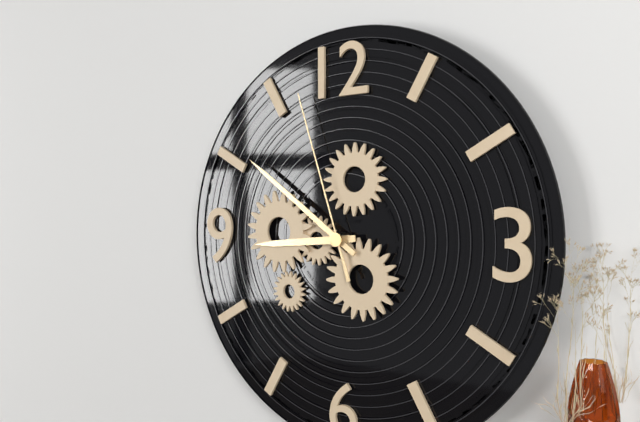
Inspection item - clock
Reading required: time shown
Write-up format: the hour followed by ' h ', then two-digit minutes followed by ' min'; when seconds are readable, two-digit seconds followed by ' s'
8 h 51 min 57 s
